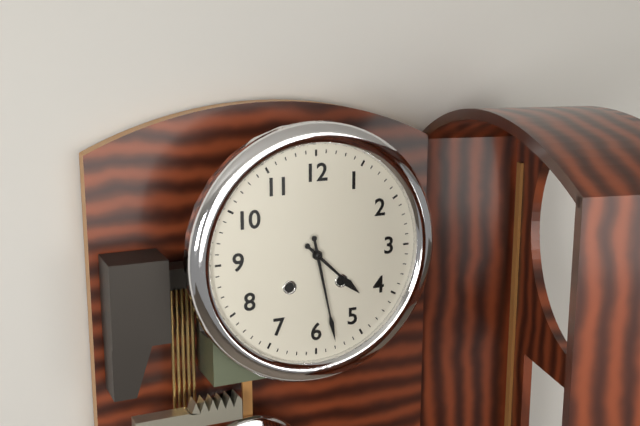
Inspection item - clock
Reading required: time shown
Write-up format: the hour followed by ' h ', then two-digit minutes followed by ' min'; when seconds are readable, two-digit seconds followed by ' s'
4 h 28 min
